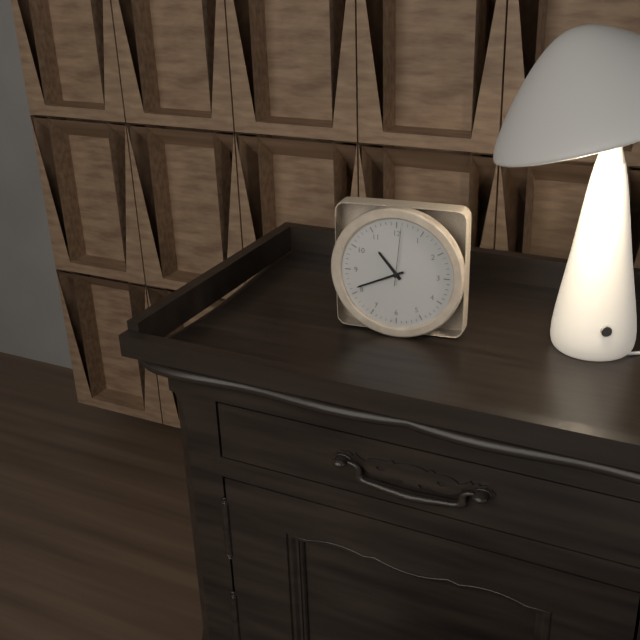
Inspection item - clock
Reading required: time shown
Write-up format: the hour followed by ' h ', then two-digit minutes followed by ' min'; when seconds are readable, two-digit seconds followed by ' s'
10 h 41 min 01 s
